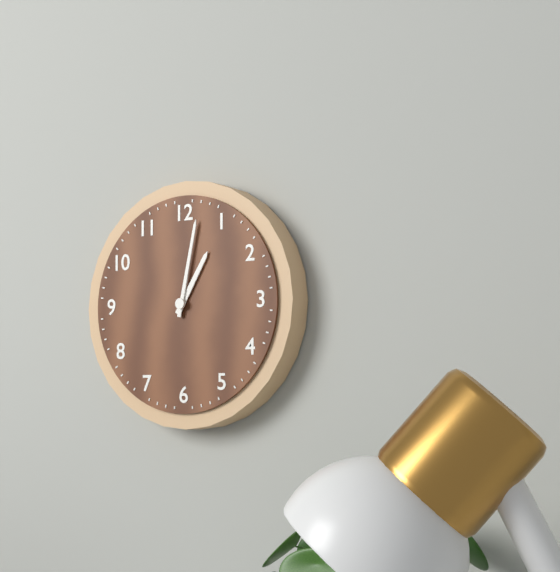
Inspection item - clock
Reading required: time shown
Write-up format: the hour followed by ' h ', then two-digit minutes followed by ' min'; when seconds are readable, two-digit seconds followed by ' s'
1 h 02 min
